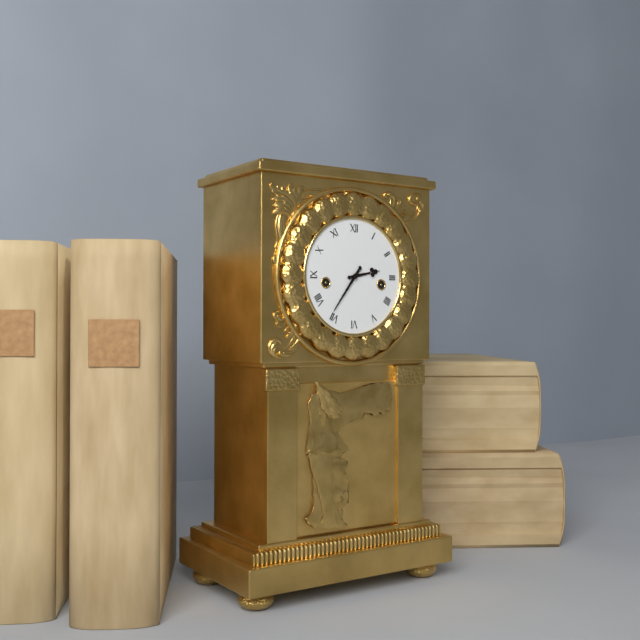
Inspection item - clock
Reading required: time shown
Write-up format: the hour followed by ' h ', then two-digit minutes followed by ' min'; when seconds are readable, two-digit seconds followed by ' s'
2 h 36 min
